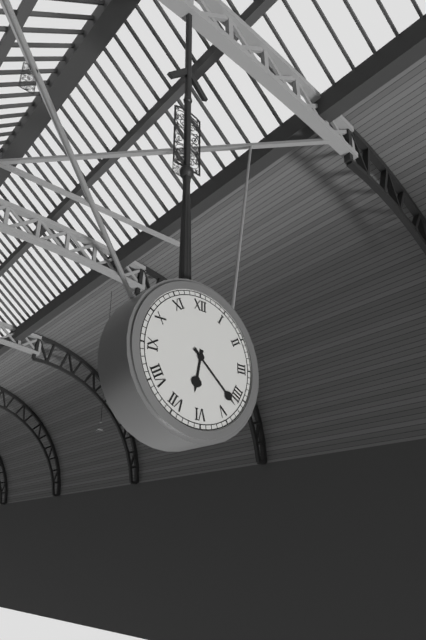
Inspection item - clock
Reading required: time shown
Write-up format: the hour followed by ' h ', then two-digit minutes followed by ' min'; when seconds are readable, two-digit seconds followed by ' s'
6 h 22 min
